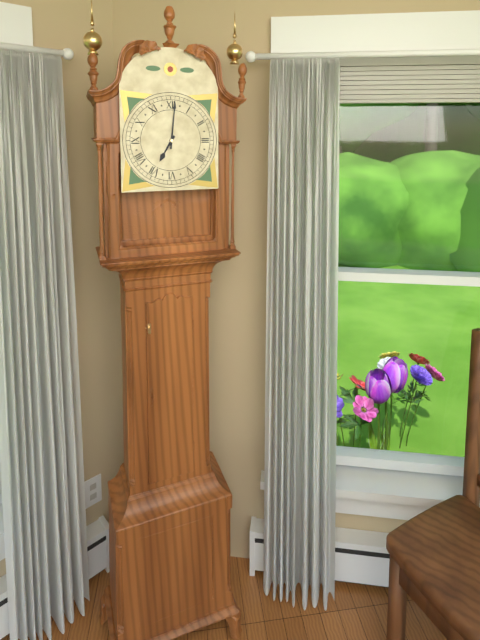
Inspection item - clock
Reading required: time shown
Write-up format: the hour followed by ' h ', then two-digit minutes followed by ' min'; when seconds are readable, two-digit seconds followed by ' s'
7 h 01 min
